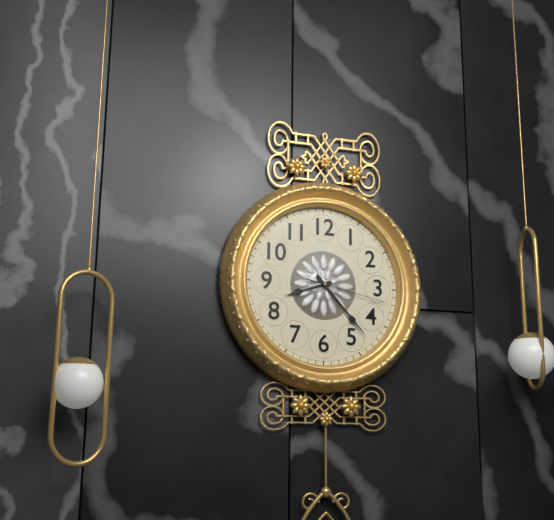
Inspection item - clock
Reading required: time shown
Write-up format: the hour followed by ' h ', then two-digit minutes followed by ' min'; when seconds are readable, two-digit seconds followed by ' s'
8 h 23 min 17 s
